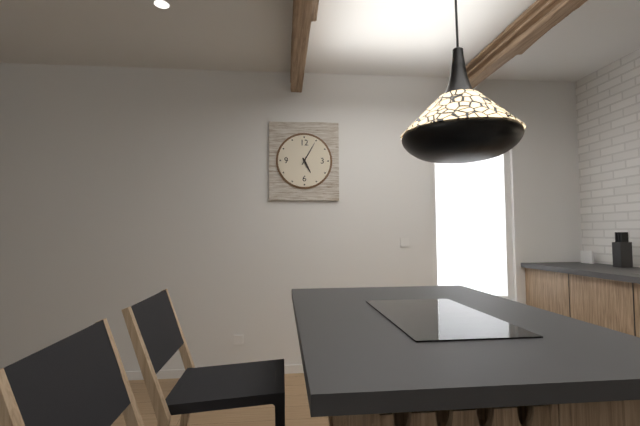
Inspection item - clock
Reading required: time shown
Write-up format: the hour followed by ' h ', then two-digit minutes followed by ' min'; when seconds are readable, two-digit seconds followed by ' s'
5 h 05 min
